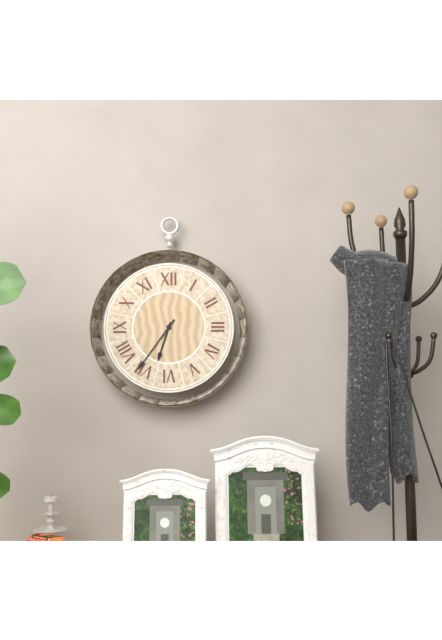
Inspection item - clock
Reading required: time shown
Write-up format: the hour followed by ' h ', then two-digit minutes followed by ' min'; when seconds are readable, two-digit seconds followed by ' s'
6 h 36 min
